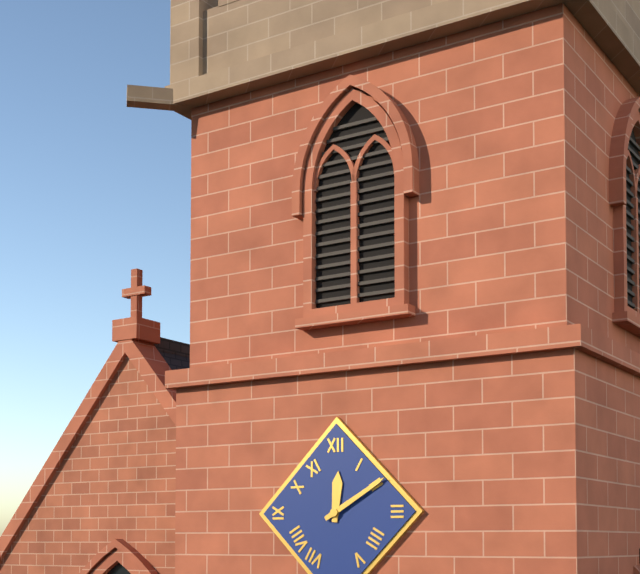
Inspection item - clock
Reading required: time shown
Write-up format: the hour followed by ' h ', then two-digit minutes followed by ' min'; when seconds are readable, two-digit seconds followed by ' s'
12 h 10 min
